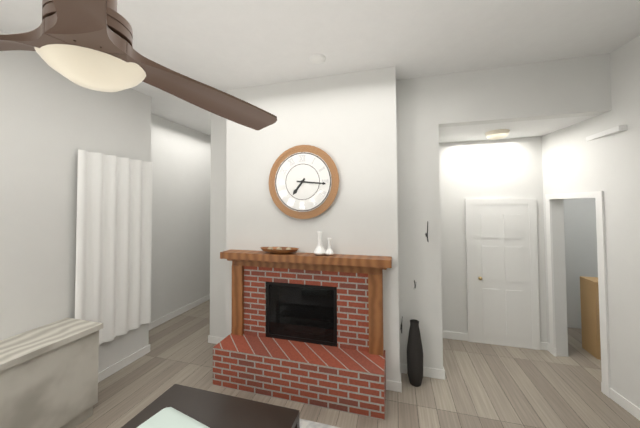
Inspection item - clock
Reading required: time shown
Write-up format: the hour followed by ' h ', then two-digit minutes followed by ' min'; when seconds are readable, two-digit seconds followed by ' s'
7 h 16 min
